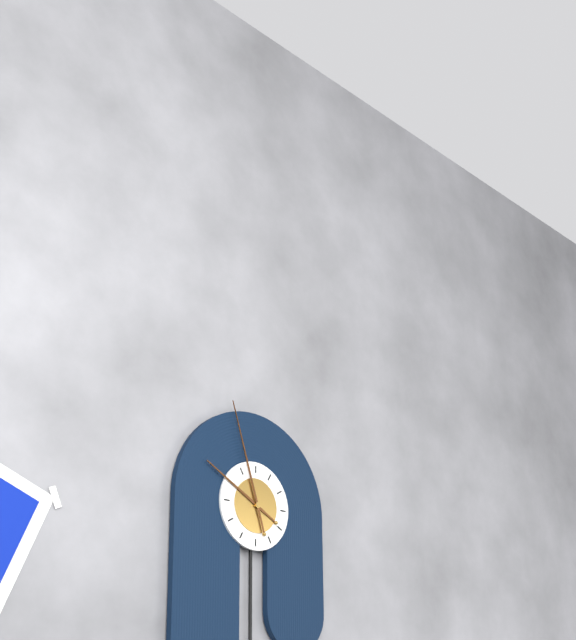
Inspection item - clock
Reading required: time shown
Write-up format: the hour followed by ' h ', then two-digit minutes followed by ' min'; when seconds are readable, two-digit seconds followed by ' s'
9 h 57 min
